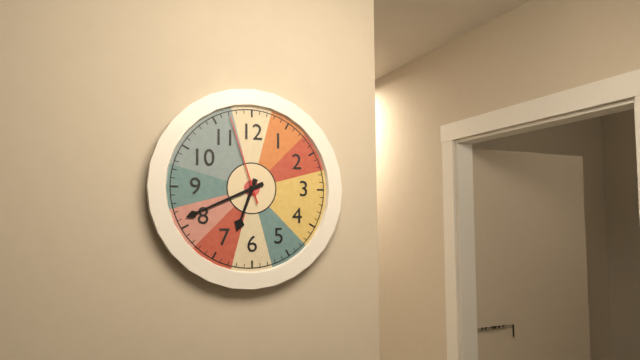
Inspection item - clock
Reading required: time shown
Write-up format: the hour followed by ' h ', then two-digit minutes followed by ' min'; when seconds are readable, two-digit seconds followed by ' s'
6 h 41 min 57 s
